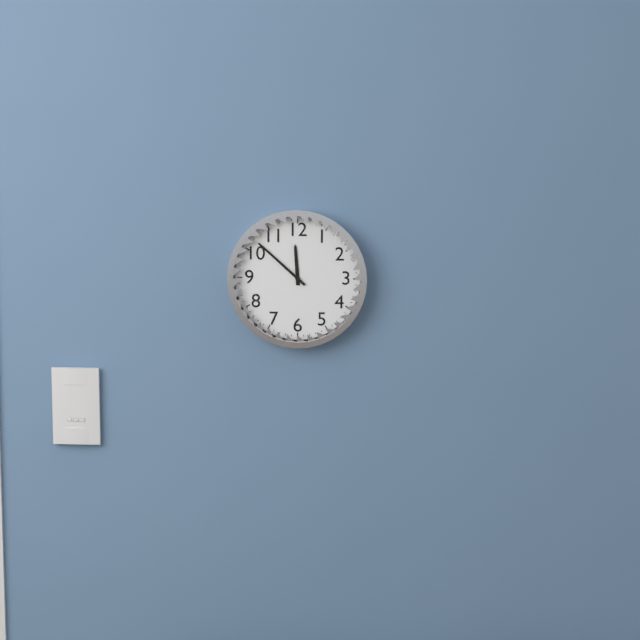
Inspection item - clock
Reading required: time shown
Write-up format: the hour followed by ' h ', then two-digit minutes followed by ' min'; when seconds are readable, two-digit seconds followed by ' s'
11 h 52 min
